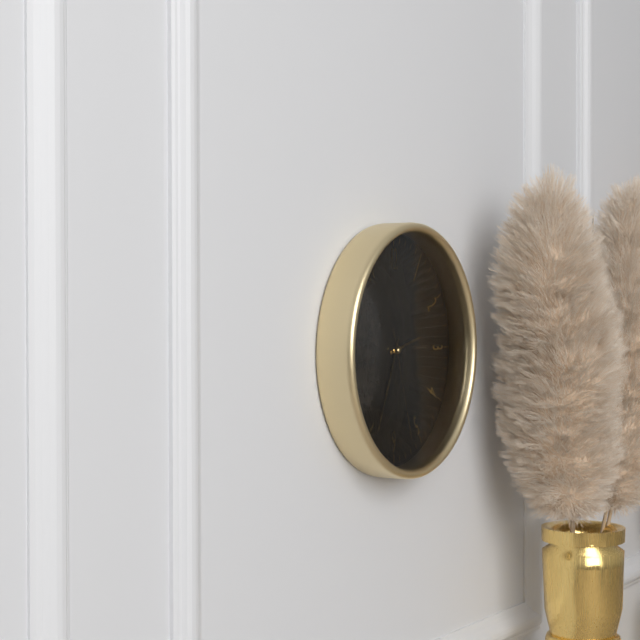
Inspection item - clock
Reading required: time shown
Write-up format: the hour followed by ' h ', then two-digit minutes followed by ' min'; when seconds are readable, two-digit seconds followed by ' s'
2 h 34 min 27 s
